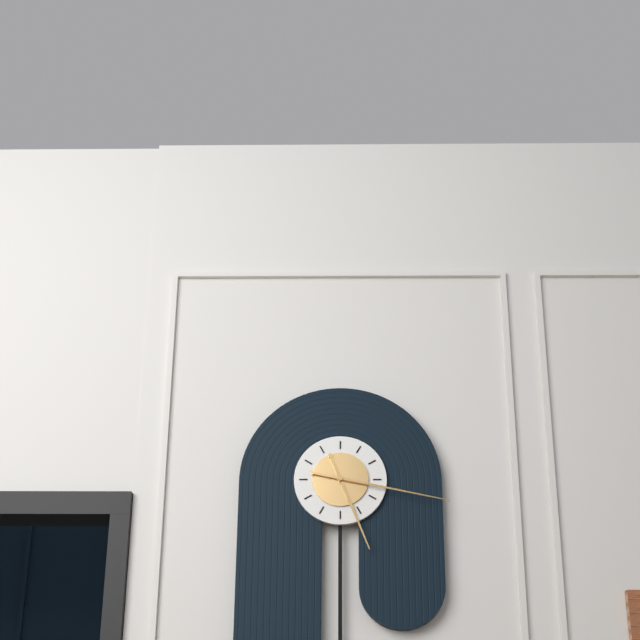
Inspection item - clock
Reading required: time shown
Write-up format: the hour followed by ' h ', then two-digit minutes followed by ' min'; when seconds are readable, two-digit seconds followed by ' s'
5 h 17 min
